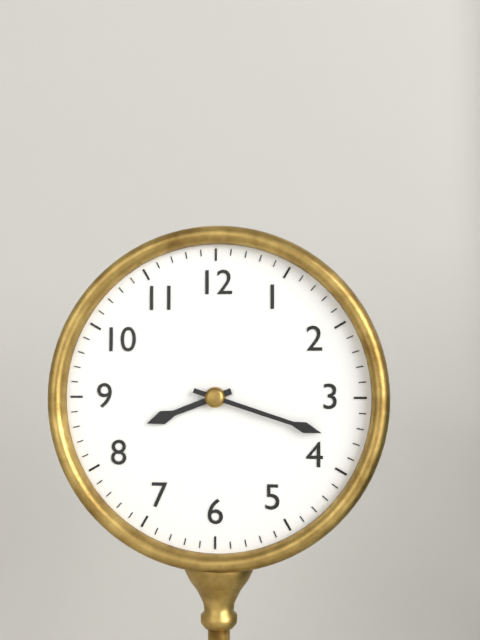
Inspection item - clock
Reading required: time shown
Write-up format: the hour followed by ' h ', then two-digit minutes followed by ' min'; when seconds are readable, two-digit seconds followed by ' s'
8 h 18 min
